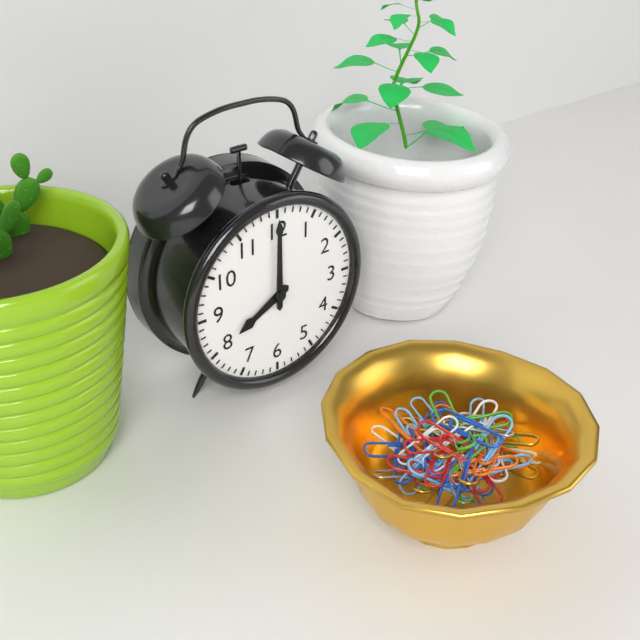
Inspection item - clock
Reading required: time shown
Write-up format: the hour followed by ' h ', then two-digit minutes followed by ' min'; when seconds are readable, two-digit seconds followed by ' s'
8 h 00 min
